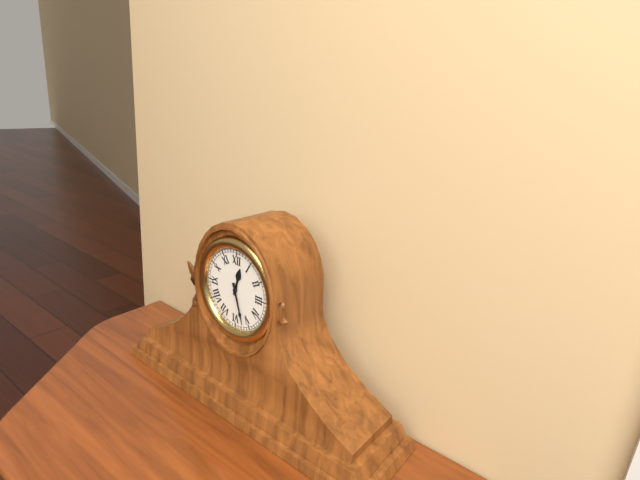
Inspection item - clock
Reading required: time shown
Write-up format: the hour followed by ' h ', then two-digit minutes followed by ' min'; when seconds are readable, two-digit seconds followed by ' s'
12 h 27 min
